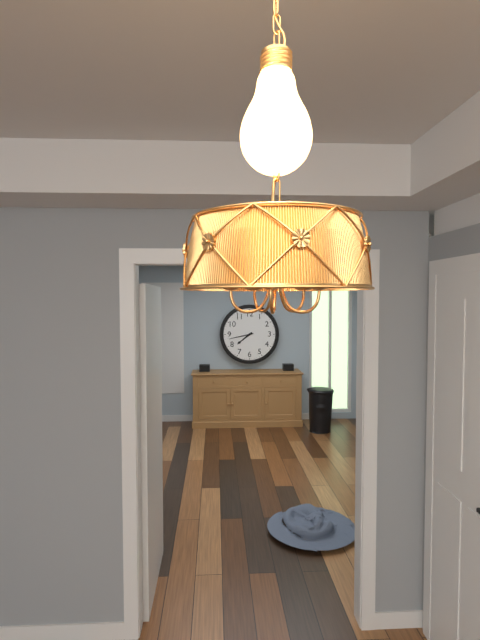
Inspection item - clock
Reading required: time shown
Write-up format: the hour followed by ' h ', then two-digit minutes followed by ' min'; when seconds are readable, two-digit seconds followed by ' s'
7 h 43 min
